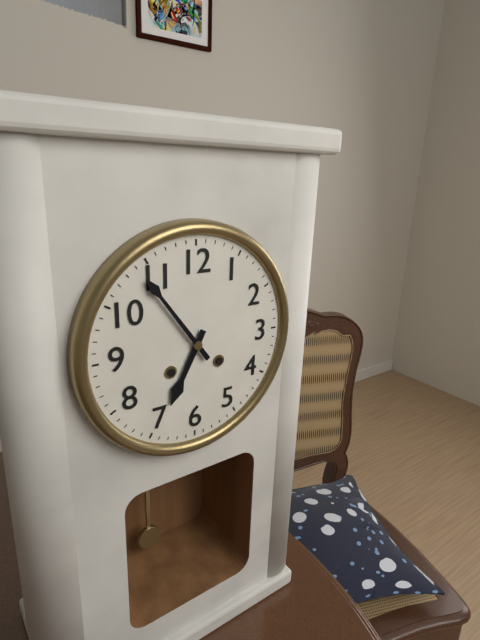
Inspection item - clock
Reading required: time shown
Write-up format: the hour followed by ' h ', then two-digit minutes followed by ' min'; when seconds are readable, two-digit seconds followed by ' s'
6 h 54 min
